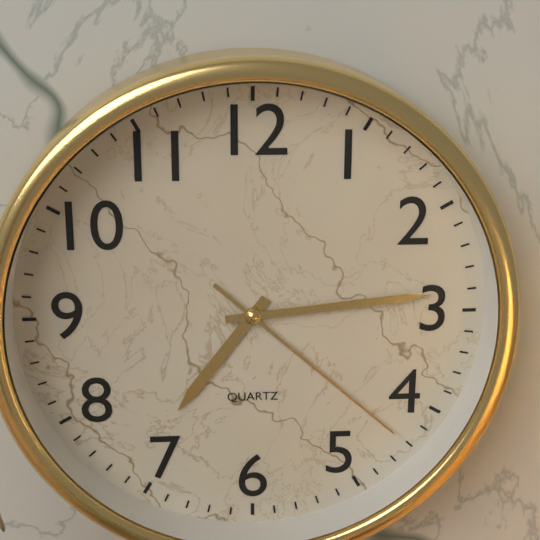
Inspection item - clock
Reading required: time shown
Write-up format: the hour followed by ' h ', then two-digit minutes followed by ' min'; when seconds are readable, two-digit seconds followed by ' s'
7 h 14 min 22 s
